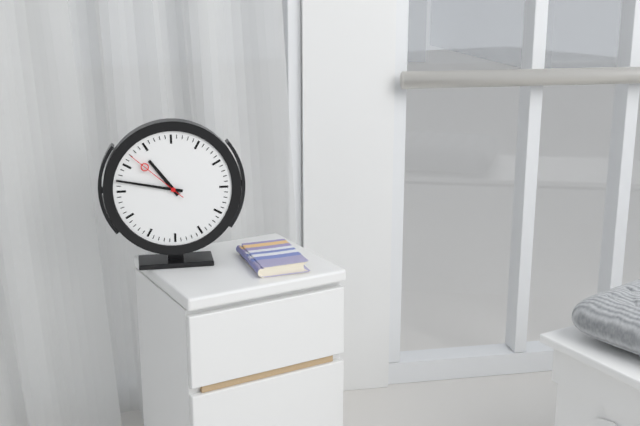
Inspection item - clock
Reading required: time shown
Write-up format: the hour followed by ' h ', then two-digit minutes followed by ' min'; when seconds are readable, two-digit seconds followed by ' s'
10 h 47 min 52 s
